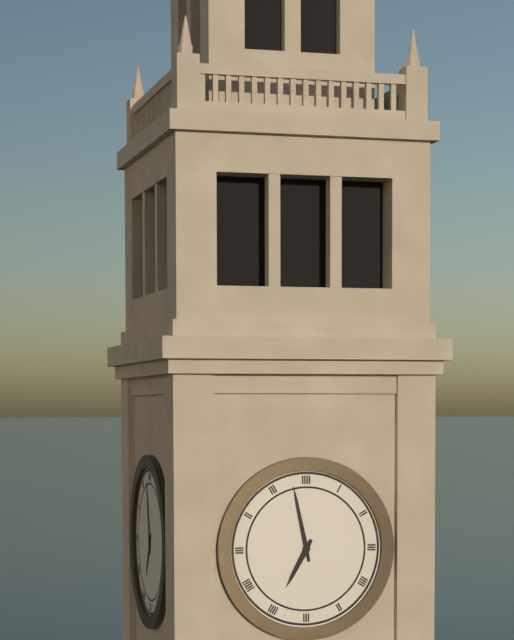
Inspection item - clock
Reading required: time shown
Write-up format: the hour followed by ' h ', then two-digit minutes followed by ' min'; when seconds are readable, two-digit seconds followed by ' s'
6 h 58 min
